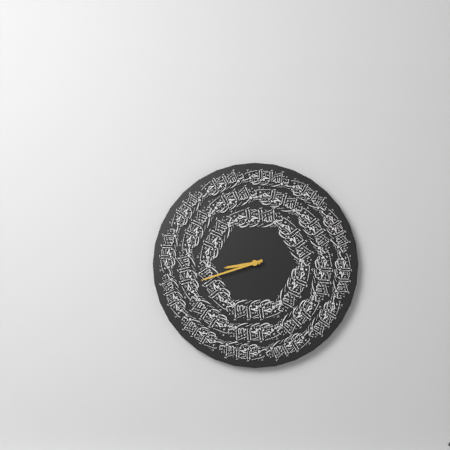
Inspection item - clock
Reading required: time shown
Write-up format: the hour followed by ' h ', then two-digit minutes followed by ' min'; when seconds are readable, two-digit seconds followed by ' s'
8 h 42 min
